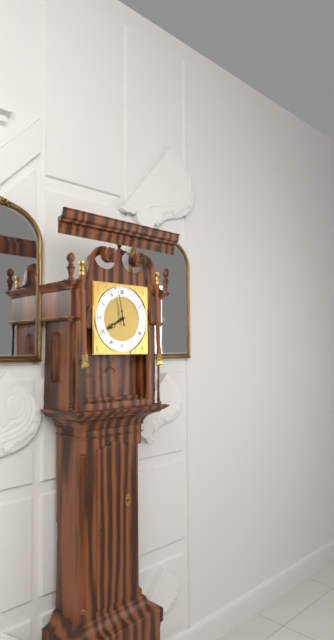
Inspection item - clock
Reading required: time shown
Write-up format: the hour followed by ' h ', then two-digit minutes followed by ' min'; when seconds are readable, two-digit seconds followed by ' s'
7 h 58 min
